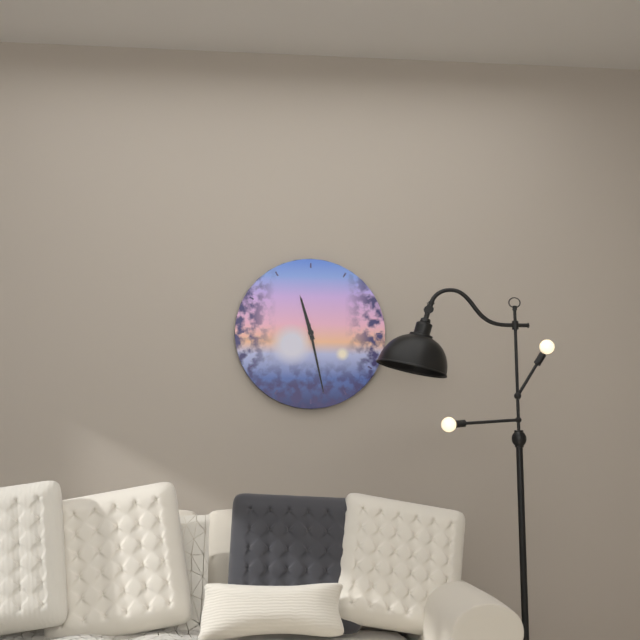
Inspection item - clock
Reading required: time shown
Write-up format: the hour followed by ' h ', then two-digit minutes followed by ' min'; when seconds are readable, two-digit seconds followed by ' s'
11 h 28 min
